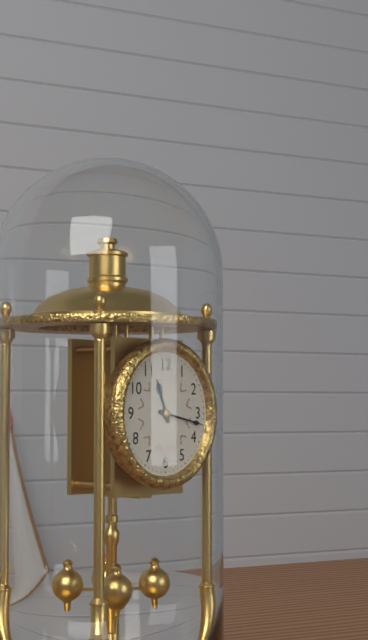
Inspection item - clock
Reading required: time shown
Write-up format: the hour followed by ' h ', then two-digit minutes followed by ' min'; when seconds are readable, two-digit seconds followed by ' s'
11 h 17 min
